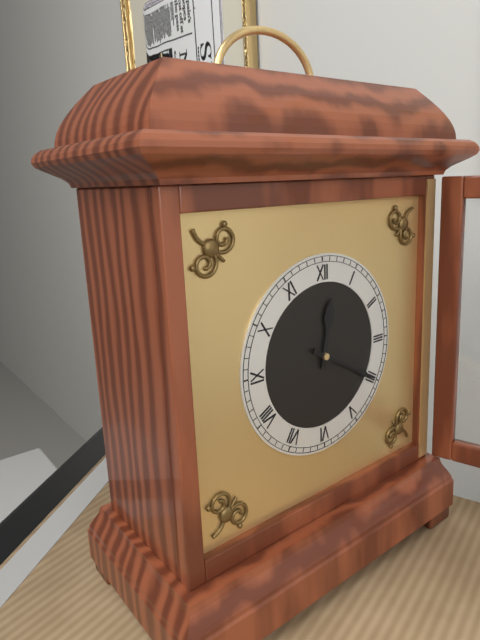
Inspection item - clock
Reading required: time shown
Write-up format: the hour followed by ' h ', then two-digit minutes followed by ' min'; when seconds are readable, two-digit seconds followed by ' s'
12 h 20 min
